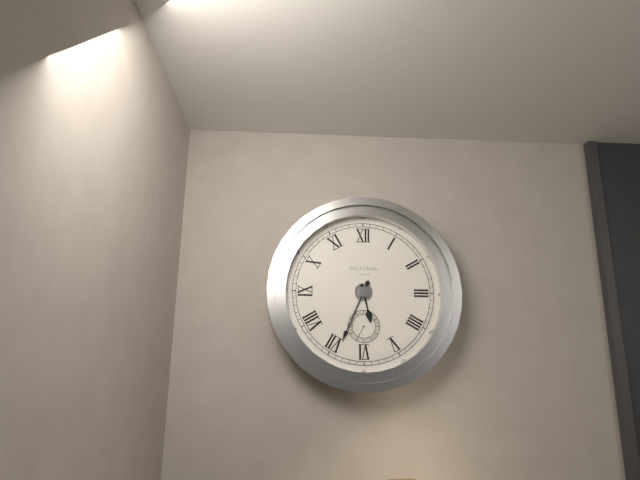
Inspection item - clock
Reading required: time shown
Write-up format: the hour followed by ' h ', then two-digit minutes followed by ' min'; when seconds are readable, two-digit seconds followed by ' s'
5 h 34 min
